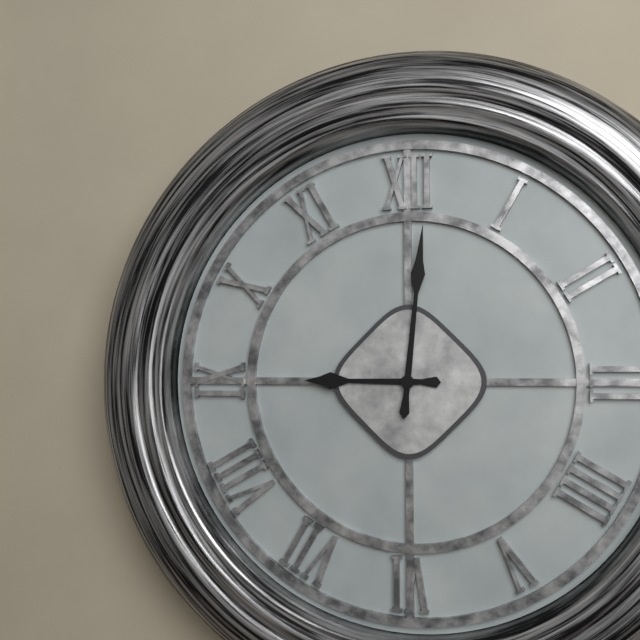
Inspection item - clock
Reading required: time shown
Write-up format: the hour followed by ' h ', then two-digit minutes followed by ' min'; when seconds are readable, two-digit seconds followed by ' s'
9 h 01 min
